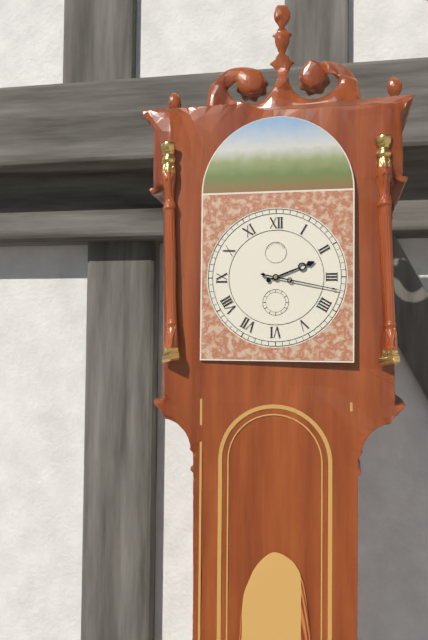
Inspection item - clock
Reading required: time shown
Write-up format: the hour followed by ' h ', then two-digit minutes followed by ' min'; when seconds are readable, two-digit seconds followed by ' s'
2 h 17 min
